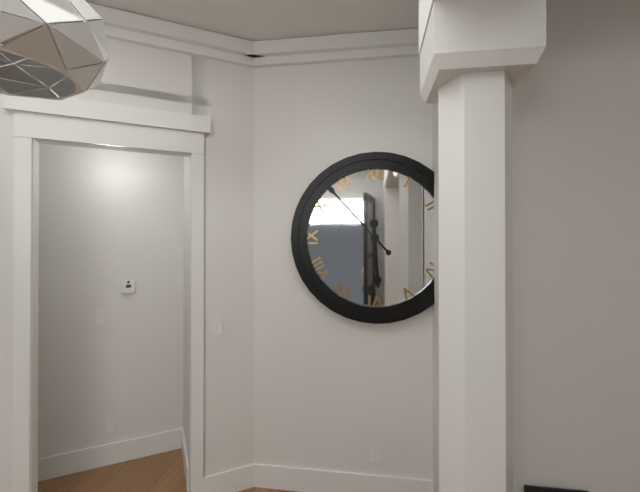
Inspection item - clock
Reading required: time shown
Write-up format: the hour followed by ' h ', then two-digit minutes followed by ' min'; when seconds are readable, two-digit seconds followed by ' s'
5 h 53 min
